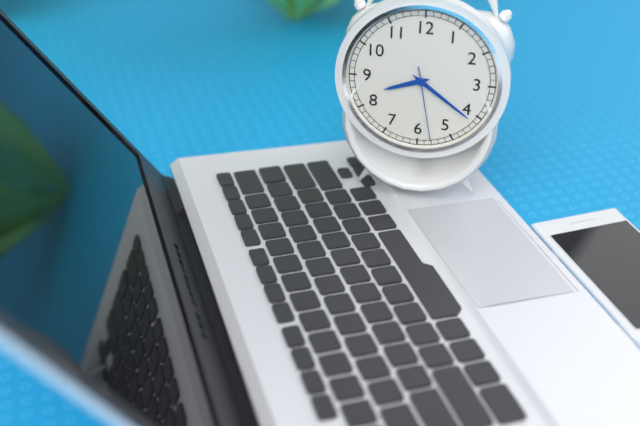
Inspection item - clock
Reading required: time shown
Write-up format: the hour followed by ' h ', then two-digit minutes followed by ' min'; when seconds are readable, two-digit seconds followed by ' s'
8 h 21 min 28 s
